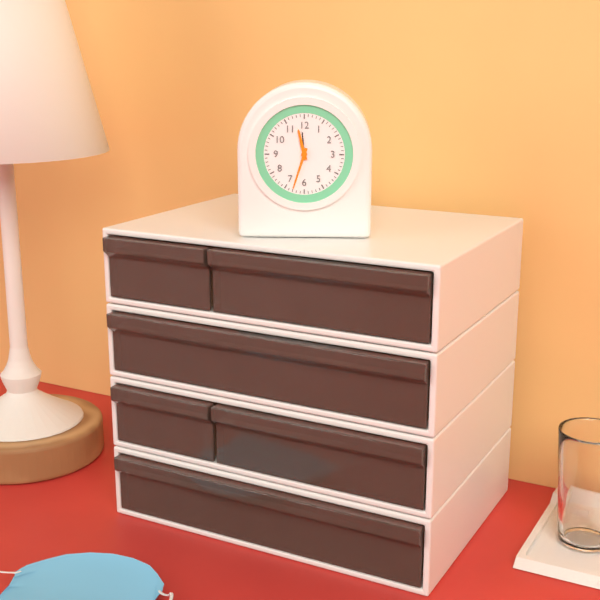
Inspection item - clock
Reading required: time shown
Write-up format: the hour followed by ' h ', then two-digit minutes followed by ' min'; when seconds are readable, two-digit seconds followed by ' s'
11 h 33 min
